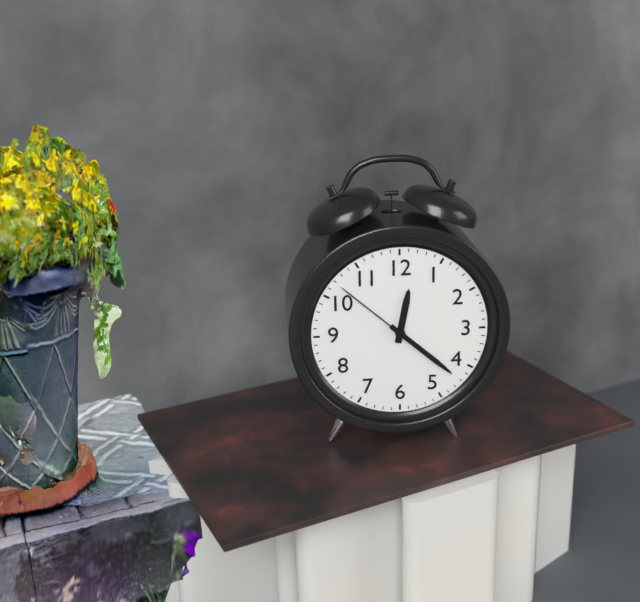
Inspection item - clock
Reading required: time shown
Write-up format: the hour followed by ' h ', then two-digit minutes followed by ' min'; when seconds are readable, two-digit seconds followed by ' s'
12 h 22 min 52 s
